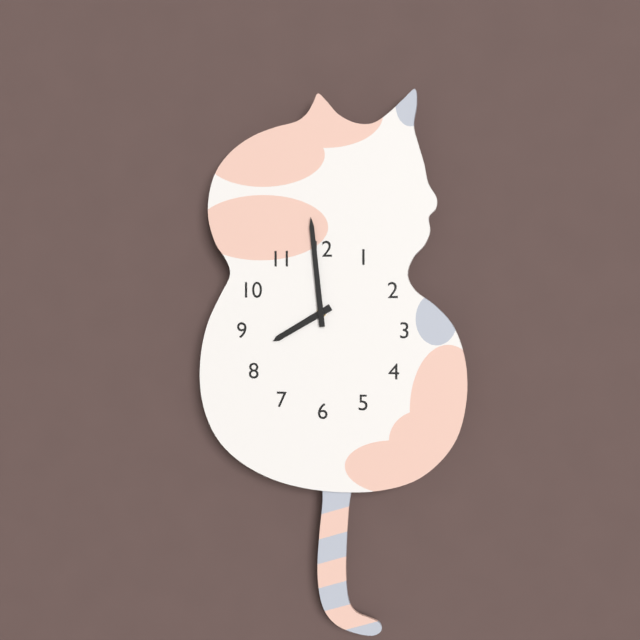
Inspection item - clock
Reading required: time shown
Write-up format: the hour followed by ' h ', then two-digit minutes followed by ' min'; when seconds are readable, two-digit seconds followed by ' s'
7 h 59 min
